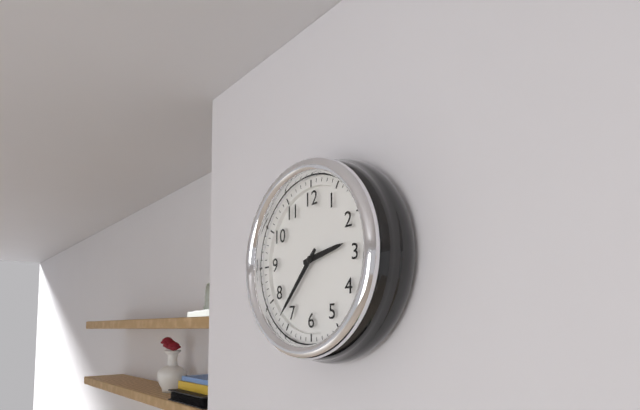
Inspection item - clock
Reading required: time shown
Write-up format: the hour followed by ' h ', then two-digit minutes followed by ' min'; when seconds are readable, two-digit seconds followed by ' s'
2 h 37 min
